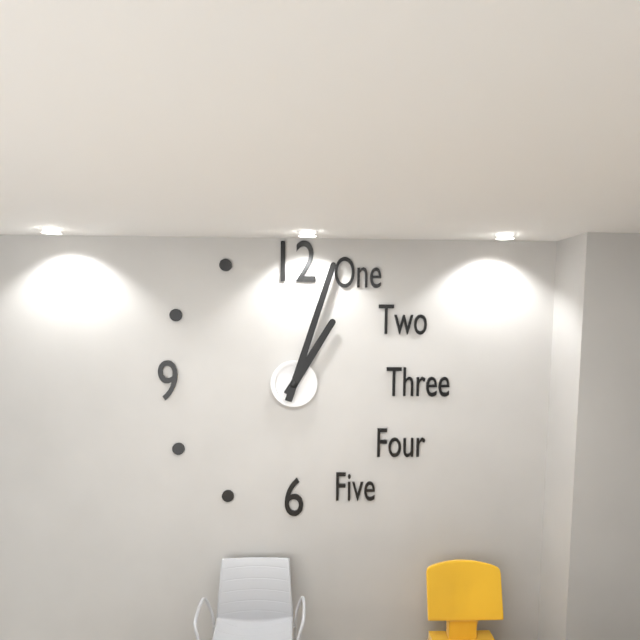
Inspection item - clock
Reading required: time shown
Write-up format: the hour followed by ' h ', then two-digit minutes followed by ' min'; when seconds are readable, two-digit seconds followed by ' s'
1 h 03 min
